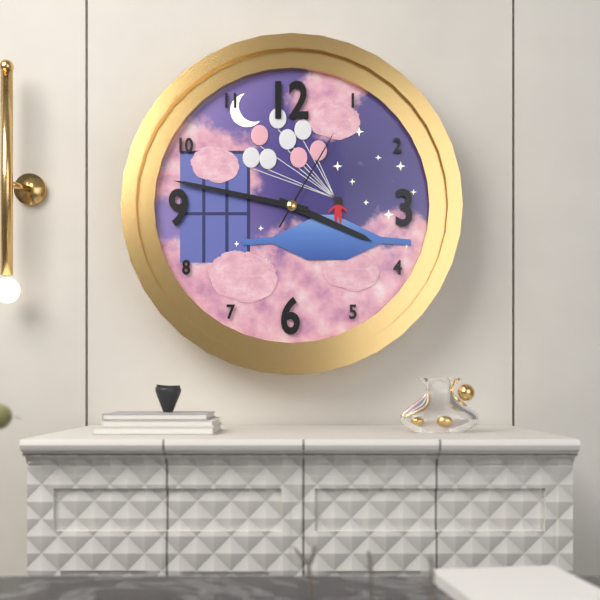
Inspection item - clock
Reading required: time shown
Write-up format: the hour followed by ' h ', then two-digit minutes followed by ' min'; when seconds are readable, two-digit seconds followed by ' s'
3 h 47 min 05 s
